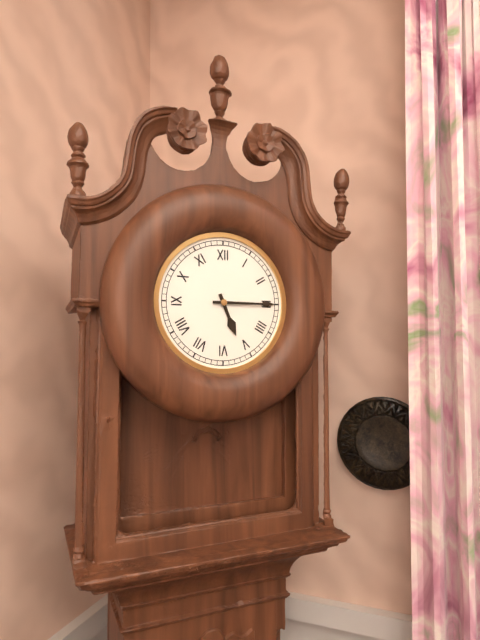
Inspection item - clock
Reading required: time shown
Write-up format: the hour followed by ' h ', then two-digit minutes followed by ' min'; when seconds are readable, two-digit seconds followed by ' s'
5 h 15 min
